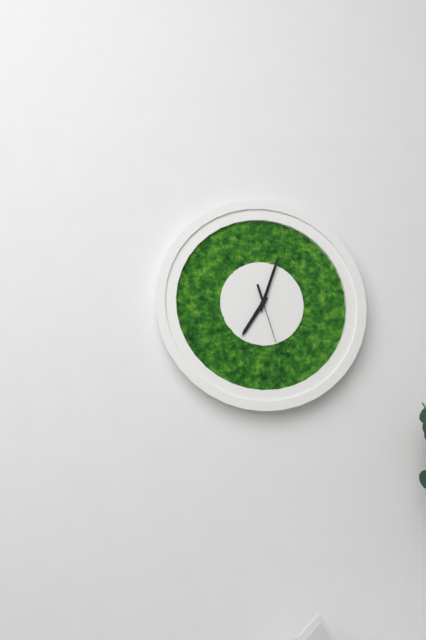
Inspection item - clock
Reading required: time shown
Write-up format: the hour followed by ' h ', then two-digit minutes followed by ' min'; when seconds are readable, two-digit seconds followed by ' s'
7 h 03 min 27 s
